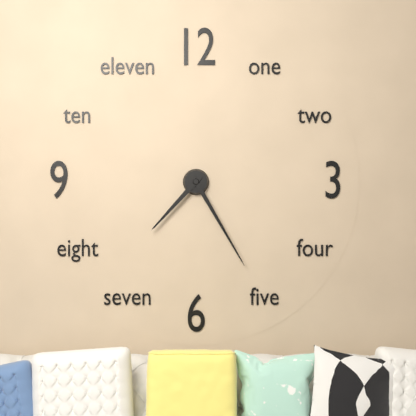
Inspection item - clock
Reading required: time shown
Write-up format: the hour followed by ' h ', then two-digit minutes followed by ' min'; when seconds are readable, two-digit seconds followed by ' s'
7 h 25 min
